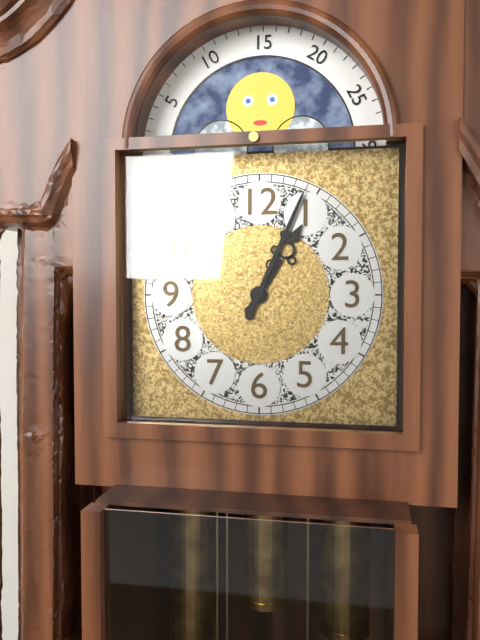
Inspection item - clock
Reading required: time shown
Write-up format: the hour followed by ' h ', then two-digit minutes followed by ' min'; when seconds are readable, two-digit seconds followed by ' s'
1 h 04 min
